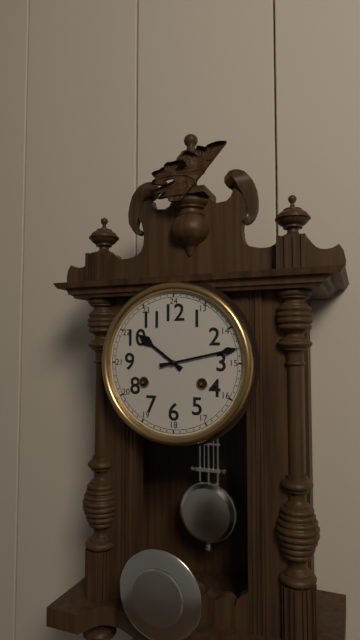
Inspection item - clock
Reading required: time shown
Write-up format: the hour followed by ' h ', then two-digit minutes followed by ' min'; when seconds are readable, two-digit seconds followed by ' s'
10 h 13 min
